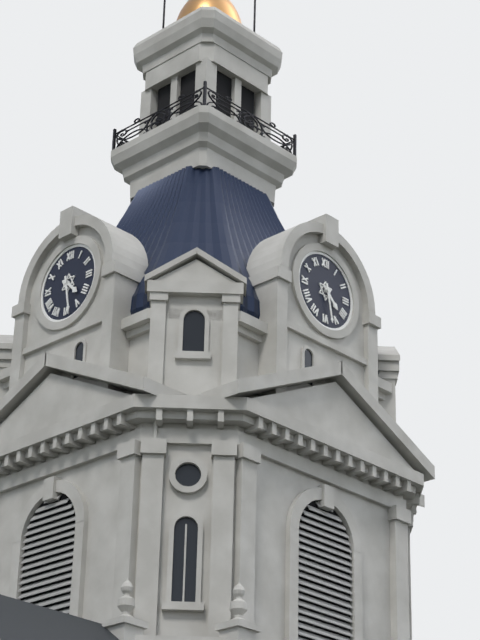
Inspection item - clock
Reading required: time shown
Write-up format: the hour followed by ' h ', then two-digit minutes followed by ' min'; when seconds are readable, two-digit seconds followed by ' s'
4 h 28 min
